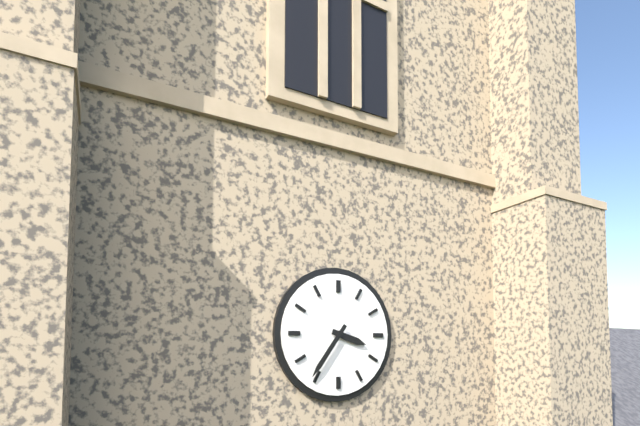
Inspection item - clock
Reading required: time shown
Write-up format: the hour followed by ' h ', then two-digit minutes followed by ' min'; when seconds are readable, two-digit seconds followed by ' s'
3 h 36 min
